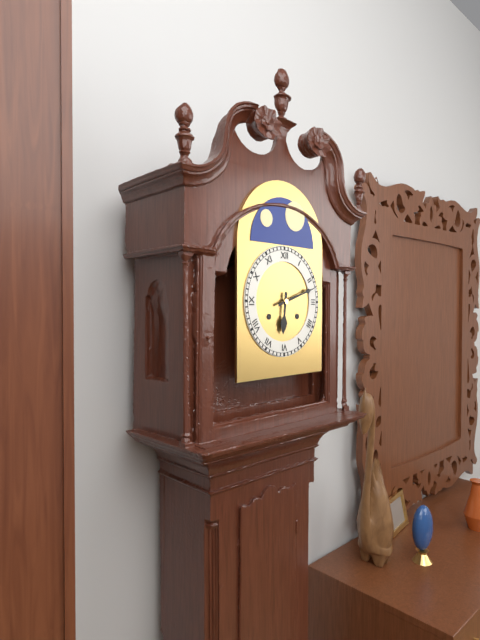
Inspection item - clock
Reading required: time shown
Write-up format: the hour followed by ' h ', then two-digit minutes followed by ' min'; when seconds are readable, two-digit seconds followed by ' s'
6 h 12 min
